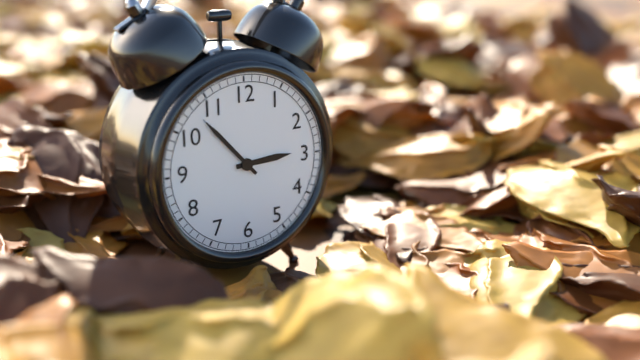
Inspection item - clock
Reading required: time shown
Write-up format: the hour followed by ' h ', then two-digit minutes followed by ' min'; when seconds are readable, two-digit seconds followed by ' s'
2 h 53 min
